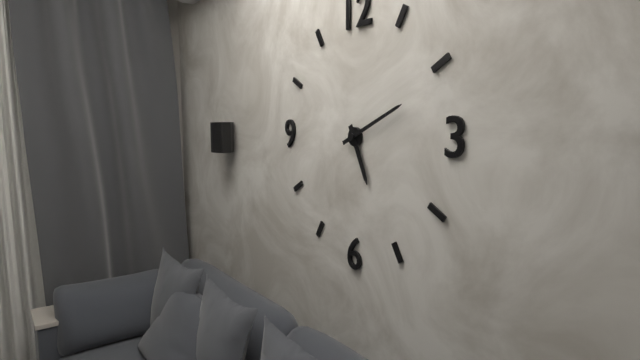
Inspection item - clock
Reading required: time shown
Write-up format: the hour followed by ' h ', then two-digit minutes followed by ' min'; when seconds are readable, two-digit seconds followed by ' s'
5 h 11 min
